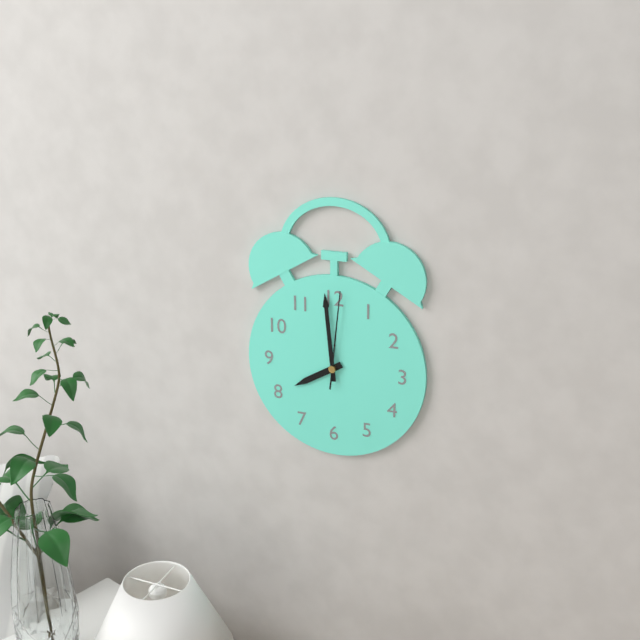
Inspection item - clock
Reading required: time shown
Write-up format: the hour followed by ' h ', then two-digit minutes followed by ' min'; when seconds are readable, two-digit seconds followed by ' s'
7 h 59 min 01 s
